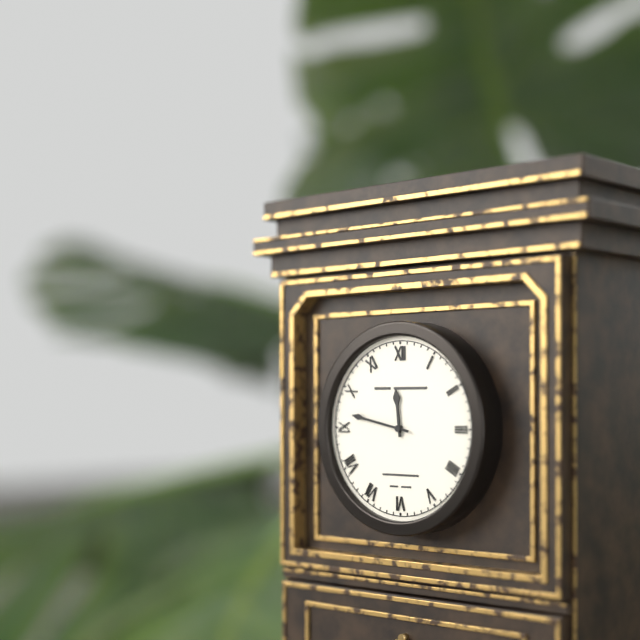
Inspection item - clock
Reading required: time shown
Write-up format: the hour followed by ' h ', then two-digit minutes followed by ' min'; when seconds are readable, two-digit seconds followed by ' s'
11 h 47 min
